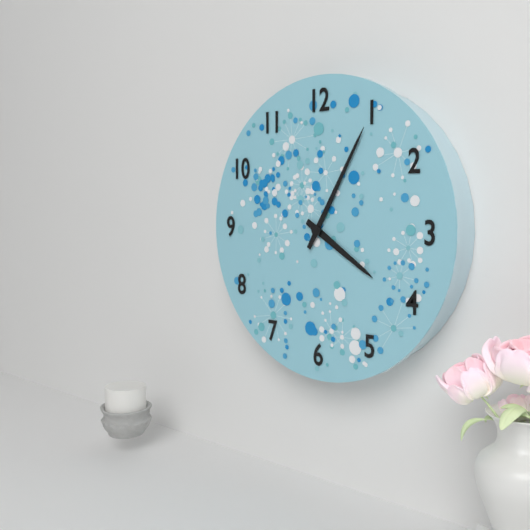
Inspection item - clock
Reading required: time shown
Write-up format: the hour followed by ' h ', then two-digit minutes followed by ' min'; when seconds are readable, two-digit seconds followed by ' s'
4 h 05 min
